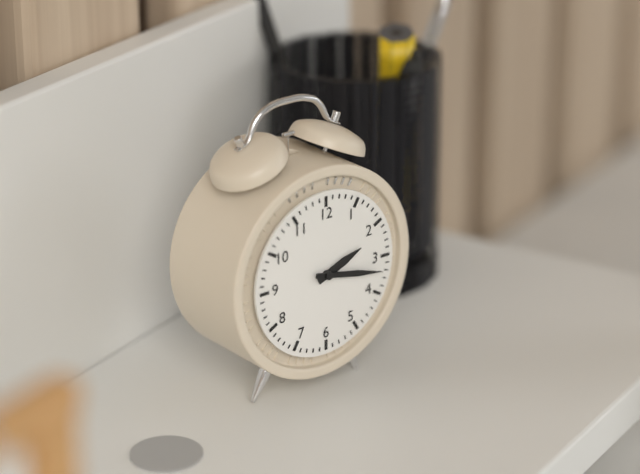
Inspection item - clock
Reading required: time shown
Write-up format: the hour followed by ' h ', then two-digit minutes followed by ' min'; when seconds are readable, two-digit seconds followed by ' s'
2 h 17 min
